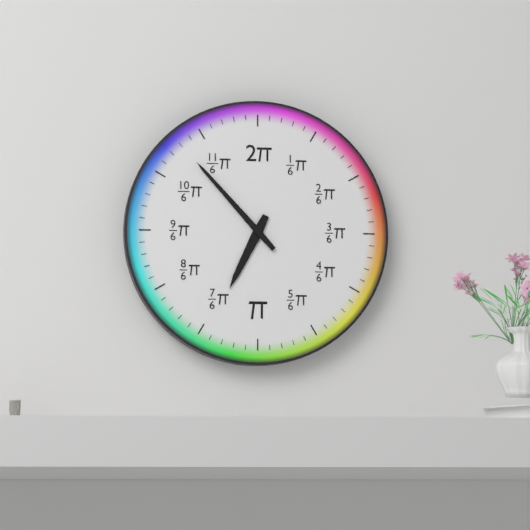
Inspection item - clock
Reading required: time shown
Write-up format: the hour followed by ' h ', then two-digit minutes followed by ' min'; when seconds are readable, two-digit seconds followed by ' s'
6 h 53 min
